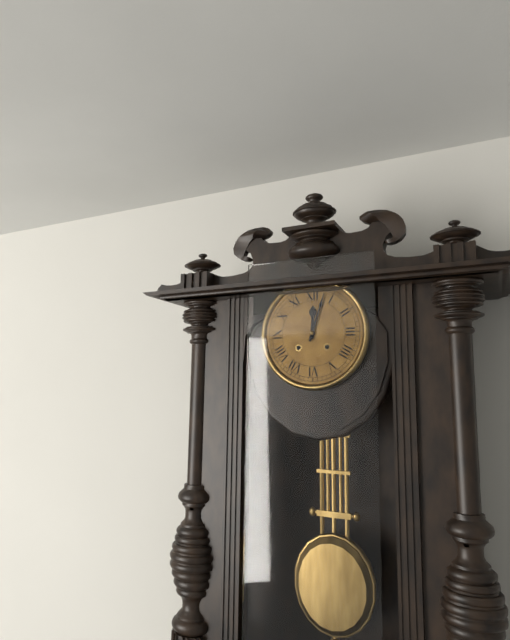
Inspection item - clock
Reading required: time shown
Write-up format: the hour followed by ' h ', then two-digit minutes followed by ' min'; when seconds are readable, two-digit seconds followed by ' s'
12 h 03 min
